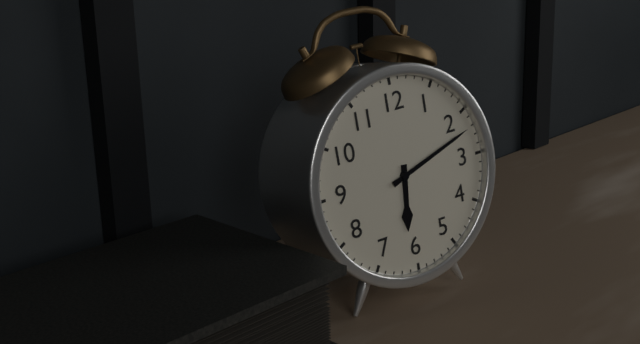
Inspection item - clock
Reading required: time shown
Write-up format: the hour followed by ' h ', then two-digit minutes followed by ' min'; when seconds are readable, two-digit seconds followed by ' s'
6 h 12 min
